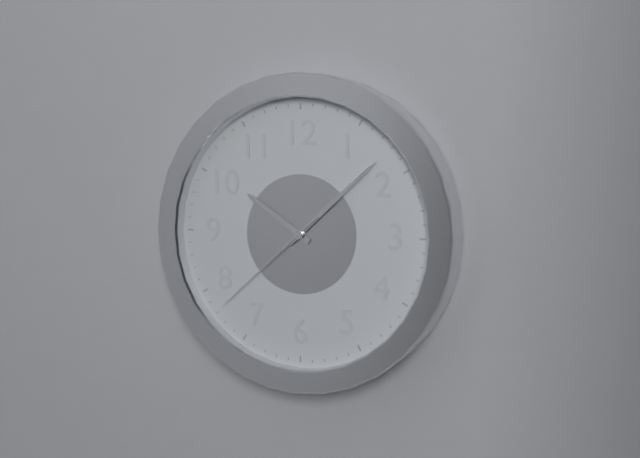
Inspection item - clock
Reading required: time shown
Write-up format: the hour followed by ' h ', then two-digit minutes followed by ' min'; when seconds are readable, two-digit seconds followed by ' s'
10 h 08 min 38 s
